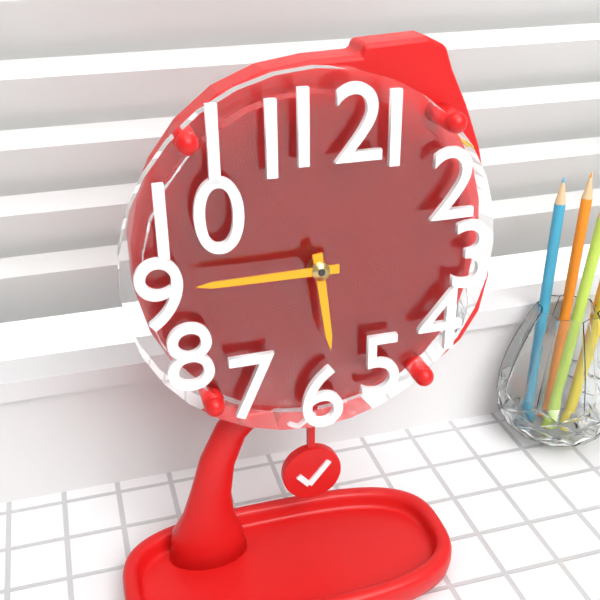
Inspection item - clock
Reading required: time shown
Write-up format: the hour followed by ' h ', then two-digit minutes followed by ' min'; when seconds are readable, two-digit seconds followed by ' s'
5 h 45 min
